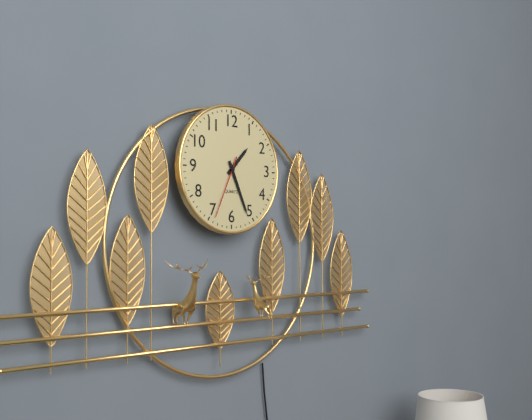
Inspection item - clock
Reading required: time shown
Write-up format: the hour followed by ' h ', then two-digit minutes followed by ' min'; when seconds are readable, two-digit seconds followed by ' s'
1 h 26 min 34 s
